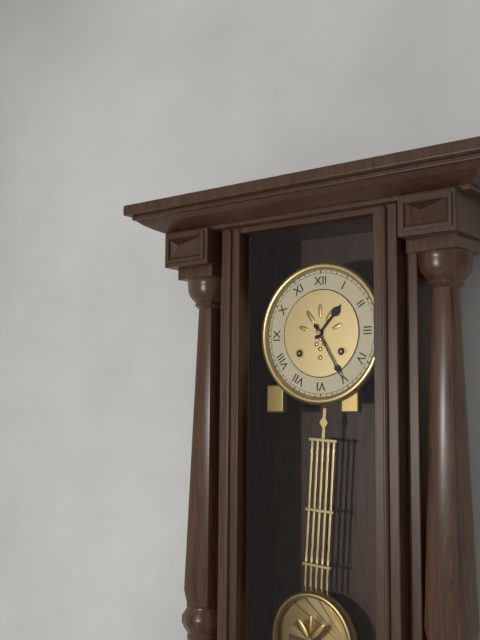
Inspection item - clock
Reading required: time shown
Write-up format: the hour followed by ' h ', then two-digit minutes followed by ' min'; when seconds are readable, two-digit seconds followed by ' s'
1 h 25 min
